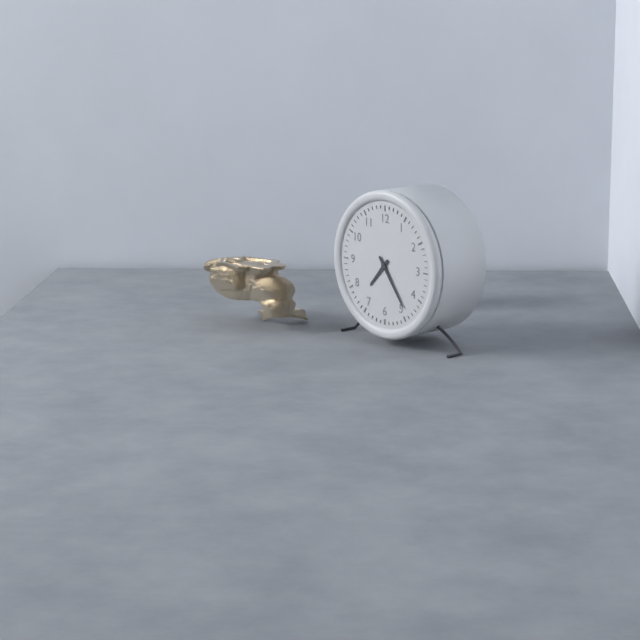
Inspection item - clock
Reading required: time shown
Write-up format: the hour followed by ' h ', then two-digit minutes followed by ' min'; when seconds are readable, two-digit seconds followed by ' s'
7 h 24 min
